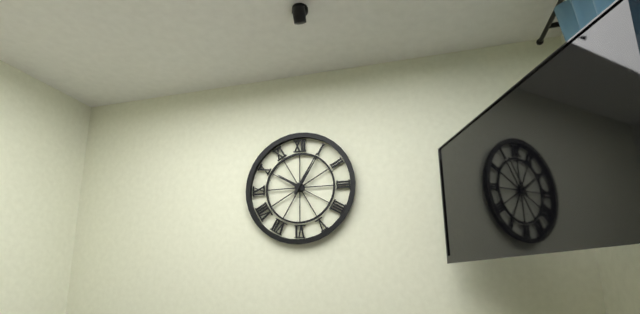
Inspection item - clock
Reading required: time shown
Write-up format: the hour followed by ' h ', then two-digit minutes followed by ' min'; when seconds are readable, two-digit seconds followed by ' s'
10 h 05 min
